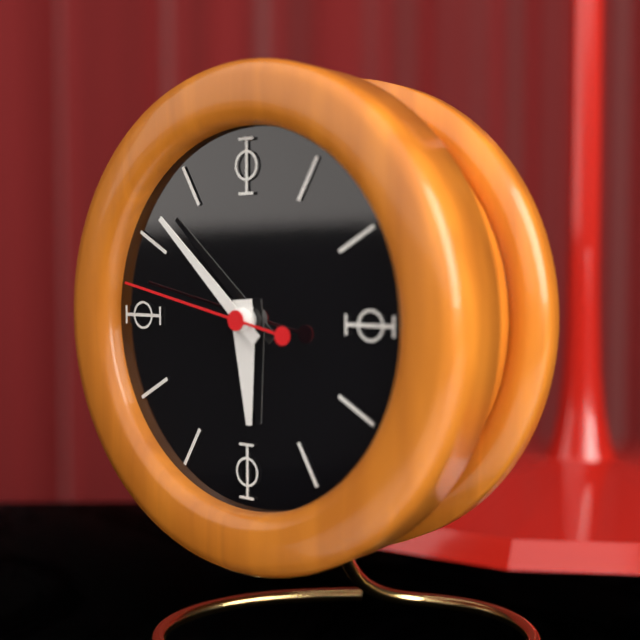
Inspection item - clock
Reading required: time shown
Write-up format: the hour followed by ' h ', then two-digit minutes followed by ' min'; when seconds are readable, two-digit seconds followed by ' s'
5 h 52 min 47 s
